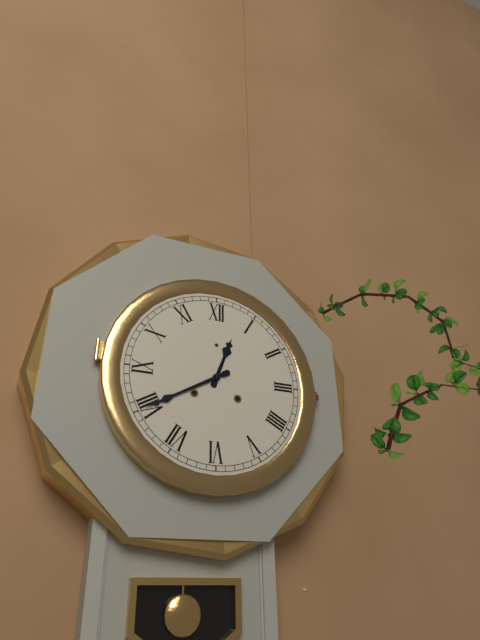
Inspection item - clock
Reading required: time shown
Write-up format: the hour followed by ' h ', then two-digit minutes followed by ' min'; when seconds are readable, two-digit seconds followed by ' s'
12 h 40 min
